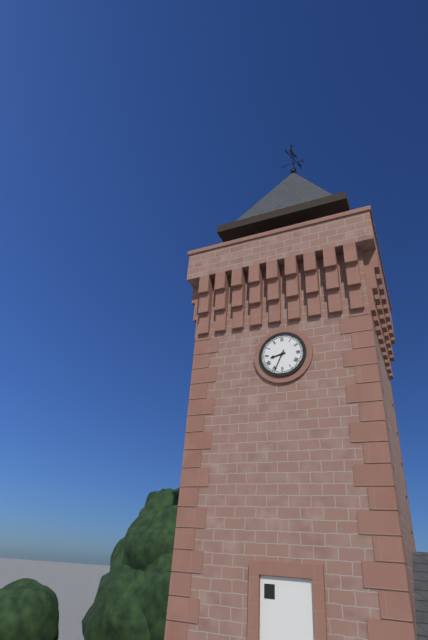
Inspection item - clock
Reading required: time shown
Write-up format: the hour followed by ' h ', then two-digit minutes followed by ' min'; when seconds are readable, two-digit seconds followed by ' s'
8 h 34 min
